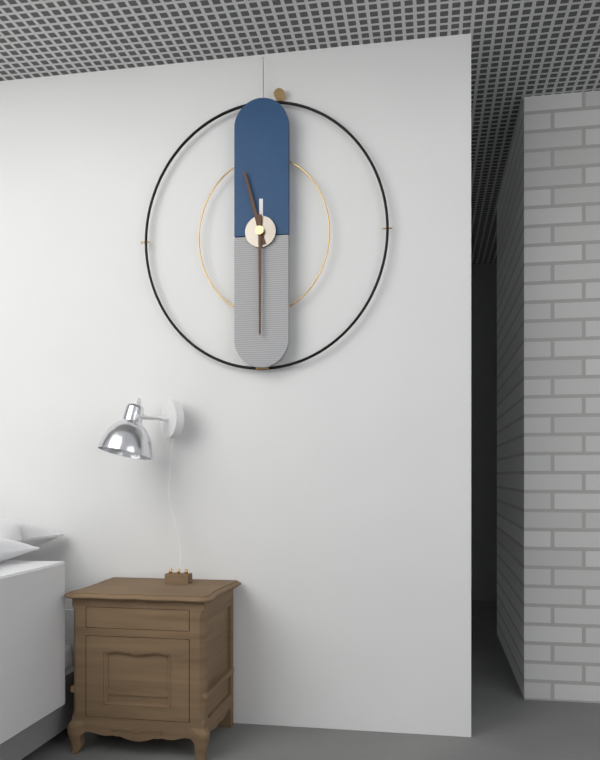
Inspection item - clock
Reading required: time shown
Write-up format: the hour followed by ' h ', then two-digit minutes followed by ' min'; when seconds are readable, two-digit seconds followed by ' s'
11 h 30 min
